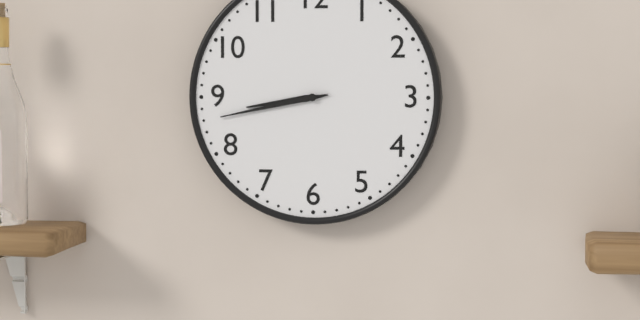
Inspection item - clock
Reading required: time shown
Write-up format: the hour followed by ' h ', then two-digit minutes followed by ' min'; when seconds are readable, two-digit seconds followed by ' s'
8 h 43 min
